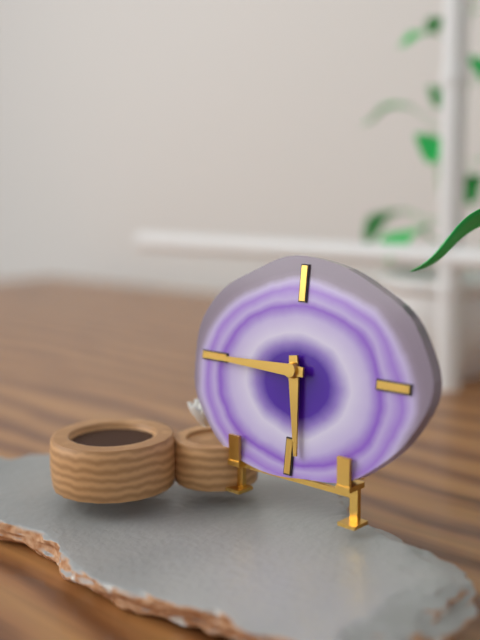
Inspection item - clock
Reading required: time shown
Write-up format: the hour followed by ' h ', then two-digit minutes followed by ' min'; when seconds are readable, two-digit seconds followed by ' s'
5 h 45 min
